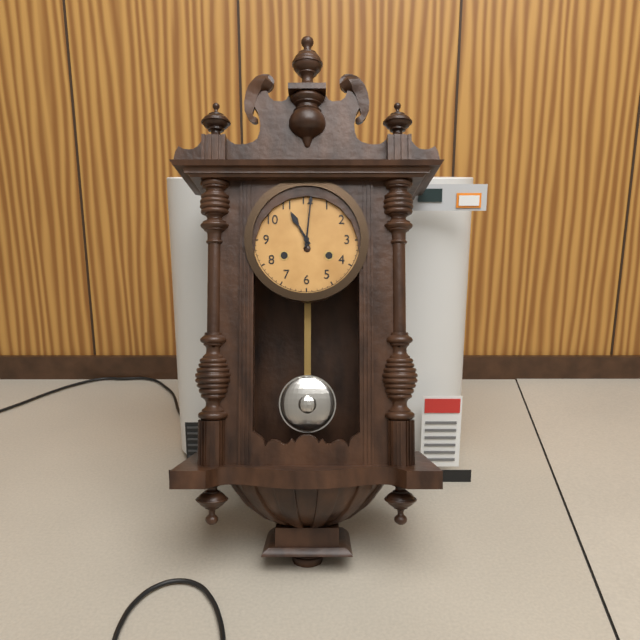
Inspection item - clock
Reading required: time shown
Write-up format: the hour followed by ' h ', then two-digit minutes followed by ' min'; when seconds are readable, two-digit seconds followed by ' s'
11 h 01 min
